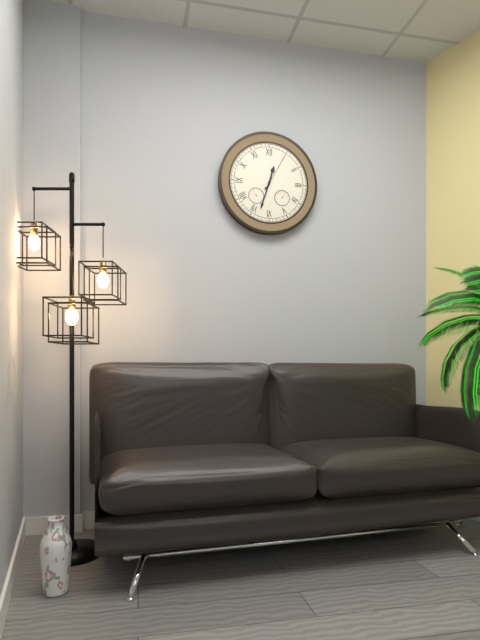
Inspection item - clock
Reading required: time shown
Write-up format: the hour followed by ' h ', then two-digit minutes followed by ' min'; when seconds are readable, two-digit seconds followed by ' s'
12 h 33 min
